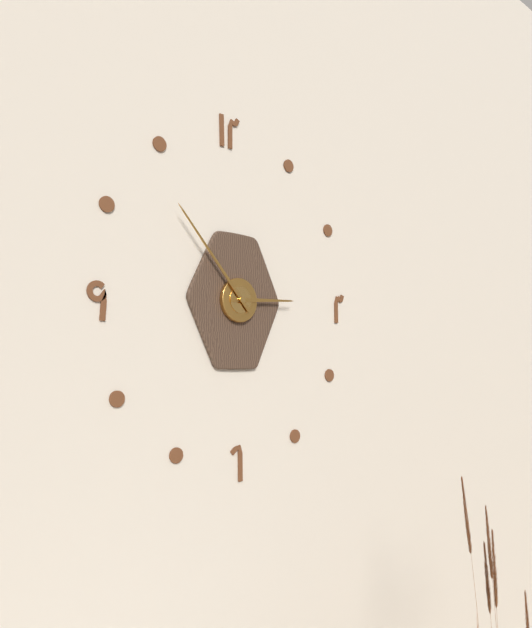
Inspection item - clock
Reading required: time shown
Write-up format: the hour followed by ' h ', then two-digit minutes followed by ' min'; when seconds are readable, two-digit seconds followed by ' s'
2 h 53 min
